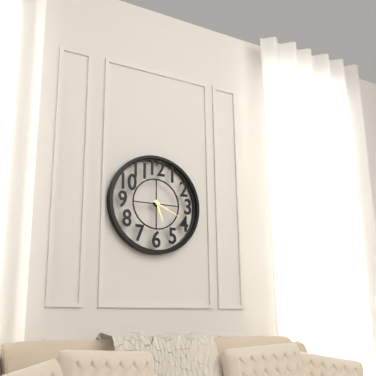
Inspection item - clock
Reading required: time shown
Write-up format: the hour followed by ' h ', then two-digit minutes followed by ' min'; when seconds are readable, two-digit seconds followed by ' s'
5 h 19 min
